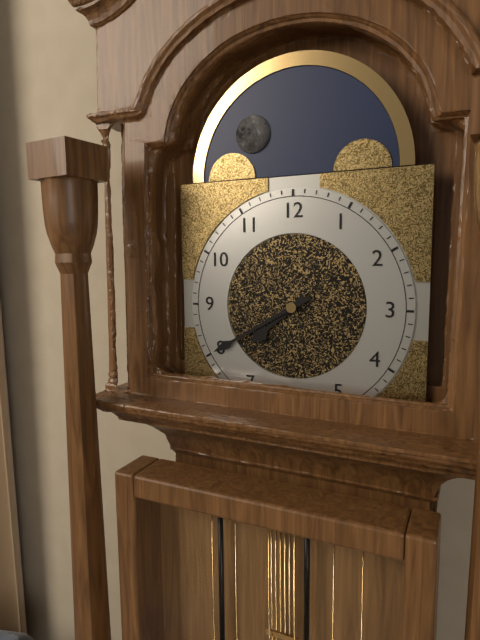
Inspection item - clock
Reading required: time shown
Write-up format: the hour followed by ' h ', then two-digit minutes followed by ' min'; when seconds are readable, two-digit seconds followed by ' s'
7 h 40 min
